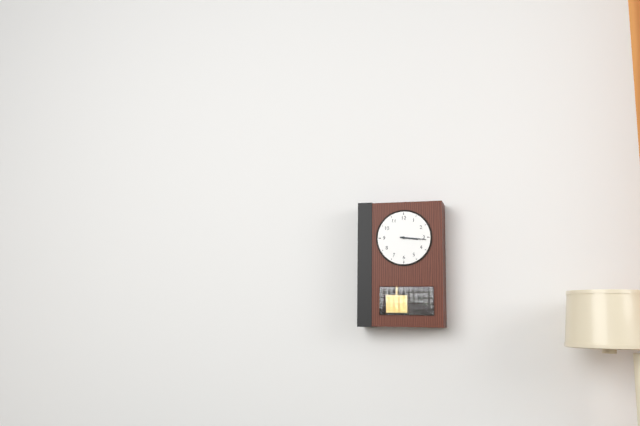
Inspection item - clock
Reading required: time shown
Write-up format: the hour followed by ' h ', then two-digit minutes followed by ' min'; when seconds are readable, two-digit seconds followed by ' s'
3 h 16 min
